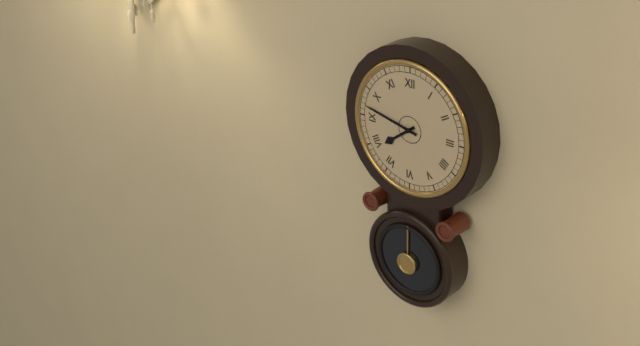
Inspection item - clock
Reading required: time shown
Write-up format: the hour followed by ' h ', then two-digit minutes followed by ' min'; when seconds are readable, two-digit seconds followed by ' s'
7 h 47 min
